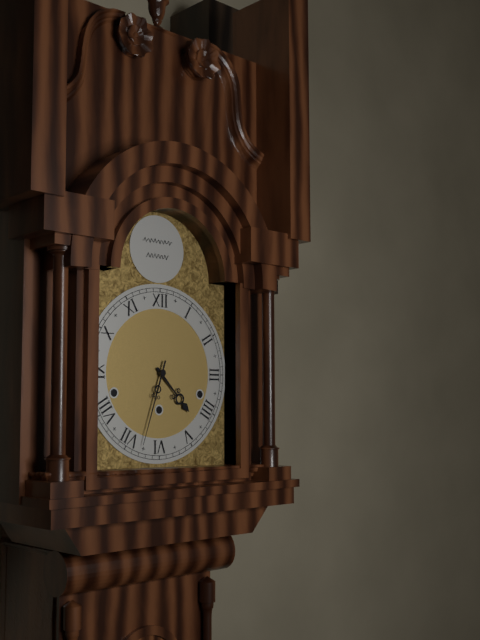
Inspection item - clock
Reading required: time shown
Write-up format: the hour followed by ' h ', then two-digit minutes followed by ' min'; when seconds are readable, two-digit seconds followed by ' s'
4 h 33 min
